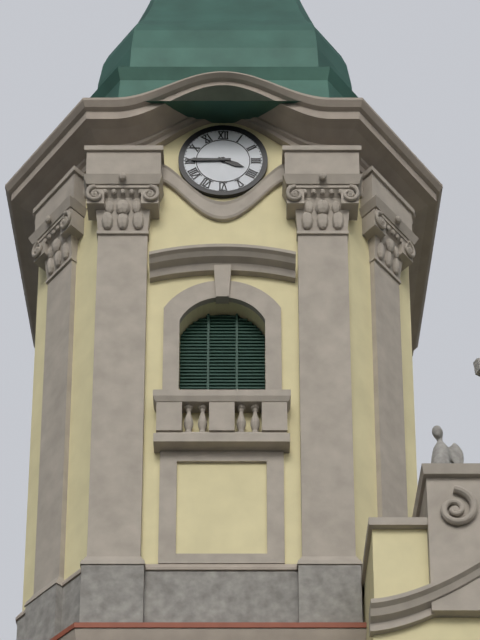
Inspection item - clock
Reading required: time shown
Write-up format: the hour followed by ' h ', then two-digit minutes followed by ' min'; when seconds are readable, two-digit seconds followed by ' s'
3 h 45 min
